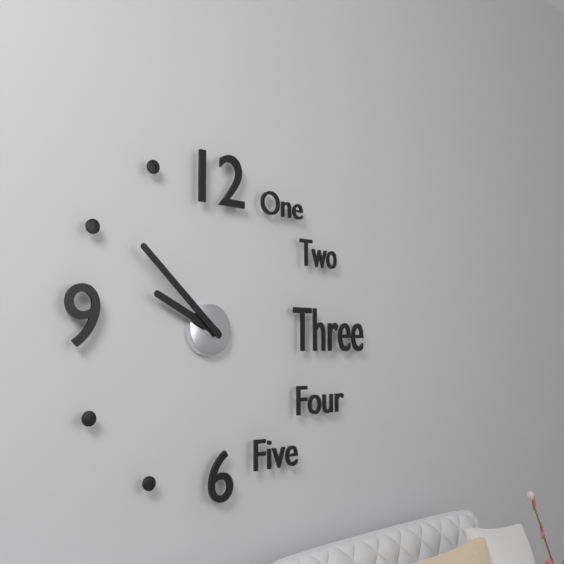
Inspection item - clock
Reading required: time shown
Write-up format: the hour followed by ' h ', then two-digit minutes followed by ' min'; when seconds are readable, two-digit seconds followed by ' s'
9 h 52 min
